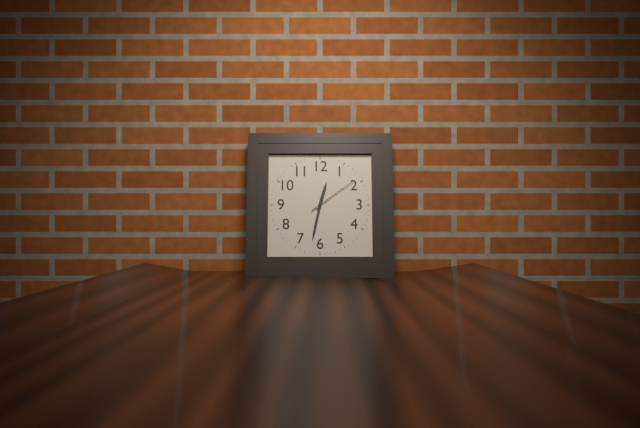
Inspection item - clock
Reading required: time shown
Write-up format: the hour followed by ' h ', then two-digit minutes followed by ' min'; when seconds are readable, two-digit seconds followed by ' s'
12 h 32 min 09 s
